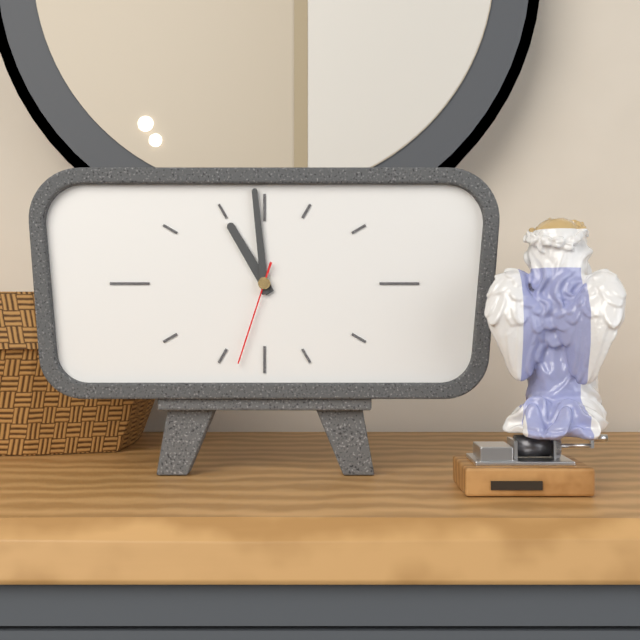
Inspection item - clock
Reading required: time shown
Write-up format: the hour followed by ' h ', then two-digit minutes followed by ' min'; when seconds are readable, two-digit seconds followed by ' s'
10 h 59 min 33 s
